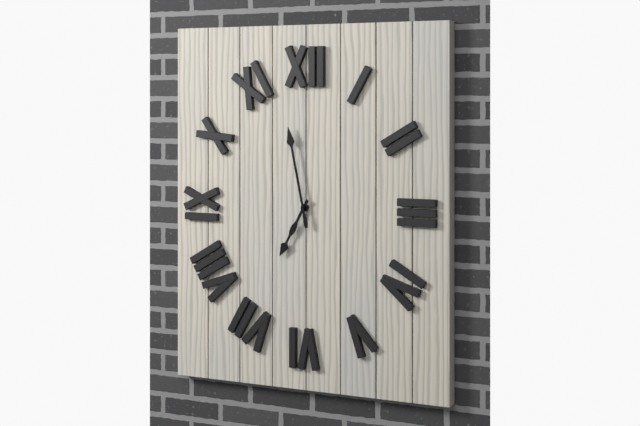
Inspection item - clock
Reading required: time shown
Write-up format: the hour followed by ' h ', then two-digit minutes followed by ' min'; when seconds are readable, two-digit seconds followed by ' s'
6 h 58 min
